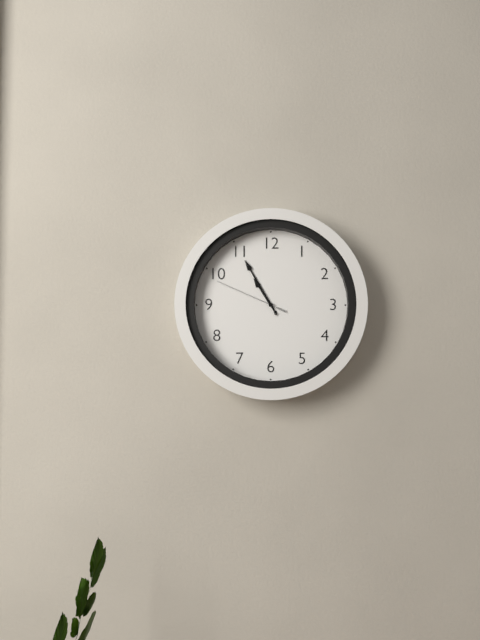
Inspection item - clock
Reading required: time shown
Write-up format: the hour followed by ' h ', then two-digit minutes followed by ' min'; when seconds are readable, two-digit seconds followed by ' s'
10 h 55 min 49 s
